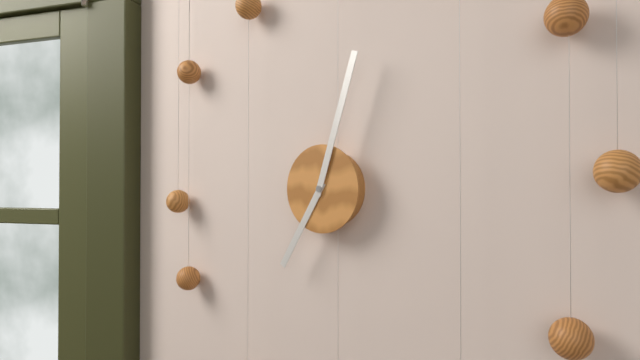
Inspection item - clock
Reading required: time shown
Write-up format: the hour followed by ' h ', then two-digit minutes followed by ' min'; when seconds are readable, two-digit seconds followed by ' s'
7 h 03 min
